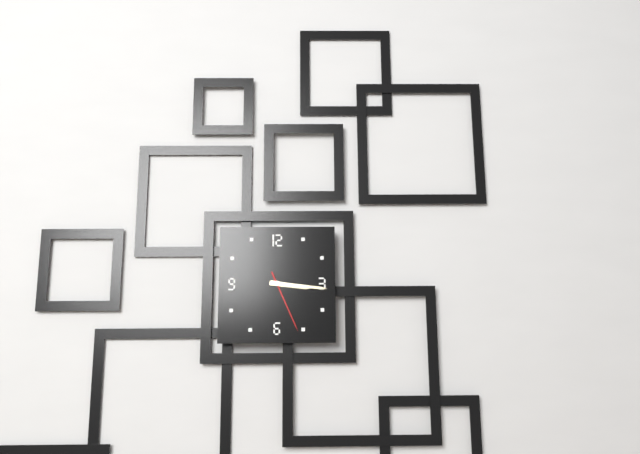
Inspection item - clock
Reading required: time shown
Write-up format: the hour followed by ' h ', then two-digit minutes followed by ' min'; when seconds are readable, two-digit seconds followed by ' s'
3 h 16 min 26 s
